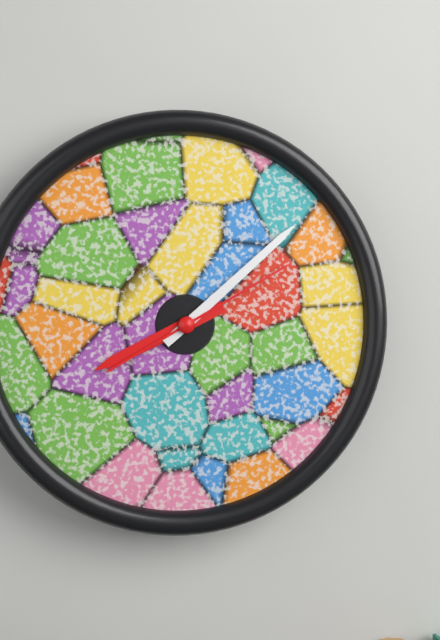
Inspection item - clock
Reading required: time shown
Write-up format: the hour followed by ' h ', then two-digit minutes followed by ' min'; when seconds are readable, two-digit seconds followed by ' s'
8 h 08 min 10 s
